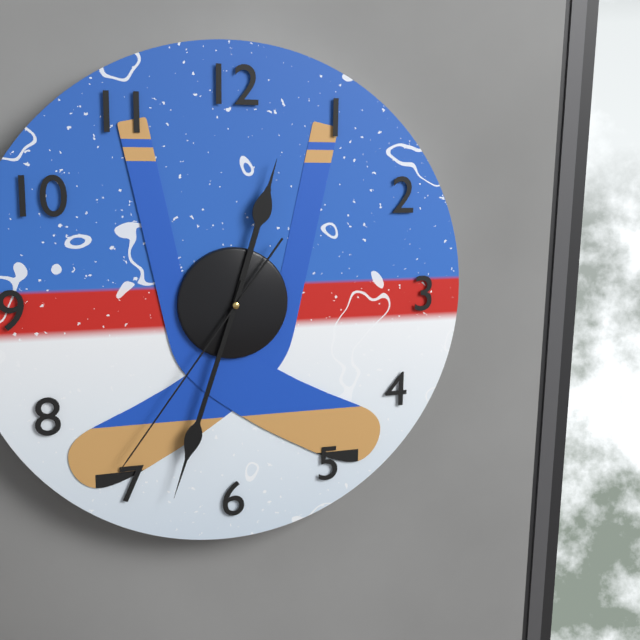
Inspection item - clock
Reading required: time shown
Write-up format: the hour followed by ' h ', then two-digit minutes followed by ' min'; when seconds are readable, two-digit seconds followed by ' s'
12 h 33 min 36 s
